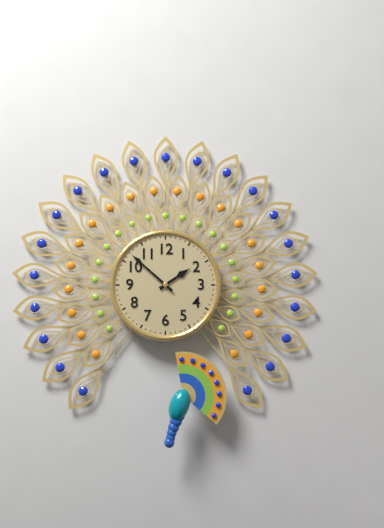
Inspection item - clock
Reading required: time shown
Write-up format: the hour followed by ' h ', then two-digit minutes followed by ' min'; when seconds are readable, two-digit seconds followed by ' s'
1 h 52 min
